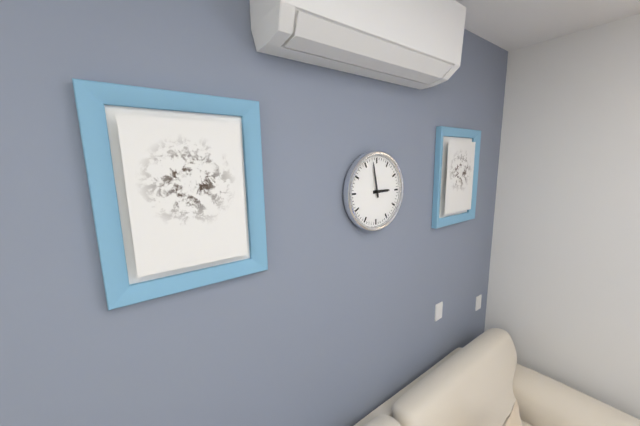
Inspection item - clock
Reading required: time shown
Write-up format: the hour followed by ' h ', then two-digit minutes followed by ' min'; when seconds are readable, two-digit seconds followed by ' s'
2 h 58 min
